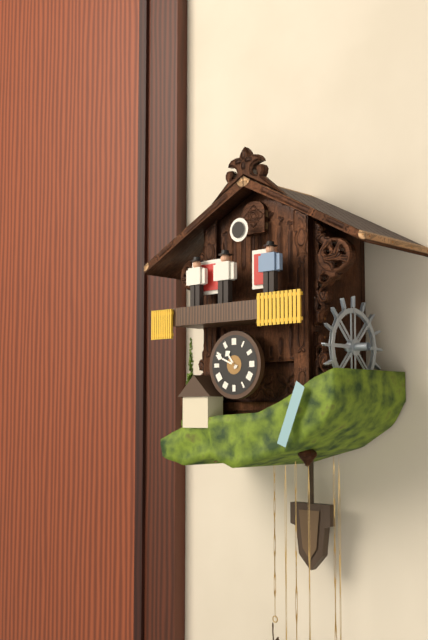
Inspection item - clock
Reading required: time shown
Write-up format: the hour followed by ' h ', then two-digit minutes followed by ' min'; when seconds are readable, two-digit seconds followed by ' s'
10 h 49 min
